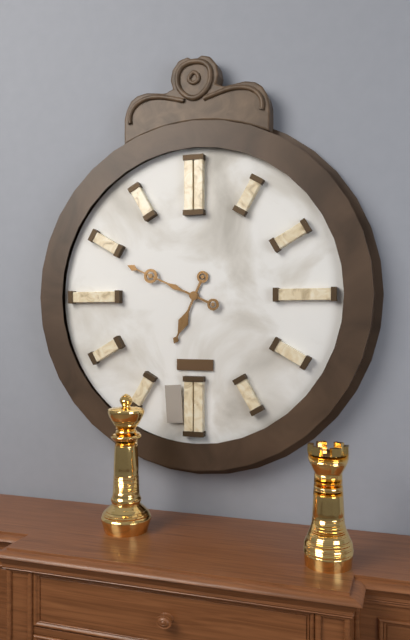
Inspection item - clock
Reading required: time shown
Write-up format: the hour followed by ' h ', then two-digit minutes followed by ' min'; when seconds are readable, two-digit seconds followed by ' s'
6 h 49 min
